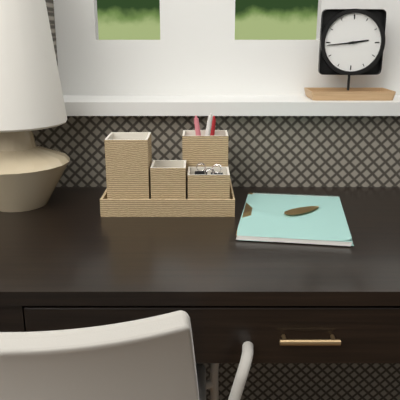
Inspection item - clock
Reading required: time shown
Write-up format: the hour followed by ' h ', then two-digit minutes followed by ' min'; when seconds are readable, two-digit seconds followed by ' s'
2 h 44 min
